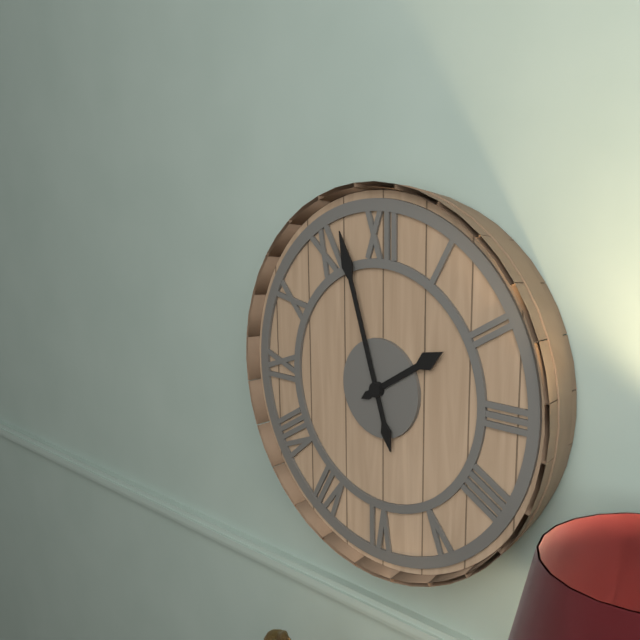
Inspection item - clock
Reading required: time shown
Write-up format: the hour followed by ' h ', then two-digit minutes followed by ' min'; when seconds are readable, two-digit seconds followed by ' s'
1 h 57 min
